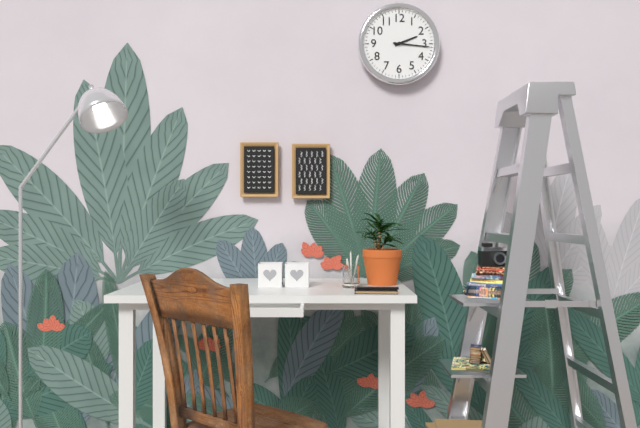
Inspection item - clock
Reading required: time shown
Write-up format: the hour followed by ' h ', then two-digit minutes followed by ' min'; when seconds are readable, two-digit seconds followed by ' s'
2 h 16 min
